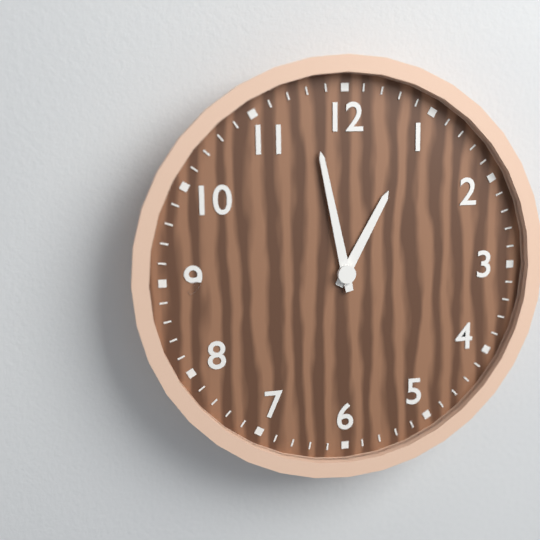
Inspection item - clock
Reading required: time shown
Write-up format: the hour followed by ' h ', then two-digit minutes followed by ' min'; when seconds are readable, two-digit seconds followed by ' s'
12 h 58 min
